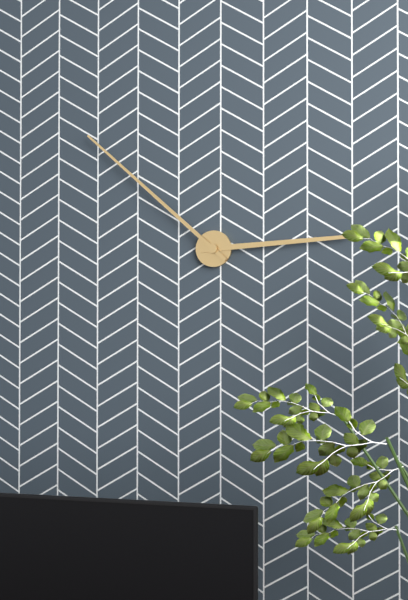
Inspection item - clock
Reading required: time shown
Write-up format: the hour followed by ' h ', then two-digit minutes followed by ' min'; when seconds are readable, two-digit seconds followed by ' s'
2 h 52 min
